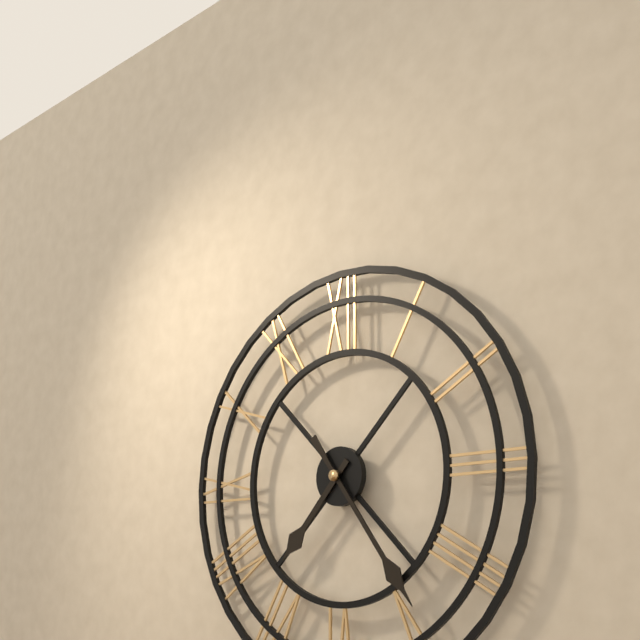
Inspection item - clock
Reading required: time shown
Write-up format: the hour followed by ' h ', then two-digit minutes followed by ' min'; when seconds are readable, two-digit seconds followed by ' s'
7 h 24 min
